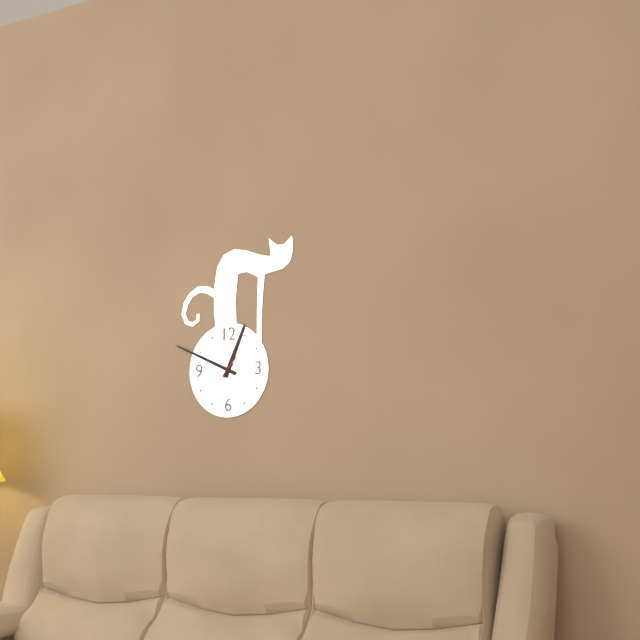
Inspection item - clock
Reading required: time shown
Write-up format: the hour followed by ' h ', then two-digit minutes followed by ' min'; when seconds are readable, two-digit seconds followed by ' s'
12 h 49 min 07 s
